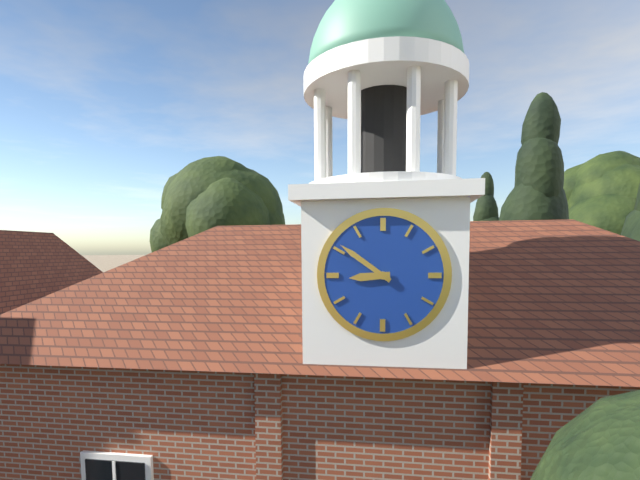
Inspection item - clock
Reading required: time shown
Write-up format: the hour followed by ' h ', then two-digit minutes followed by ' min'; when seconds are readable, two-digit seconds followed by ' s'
8 h 51 min
